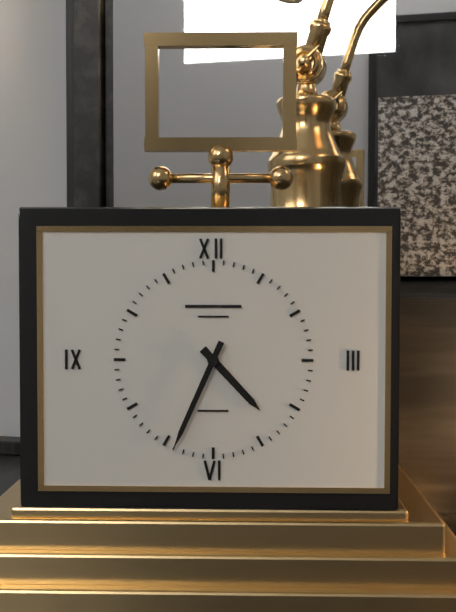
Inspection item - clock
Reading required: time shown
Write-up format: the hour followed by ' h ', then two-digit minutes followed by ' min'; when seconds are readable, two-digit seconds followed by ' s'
4 h 34 min
